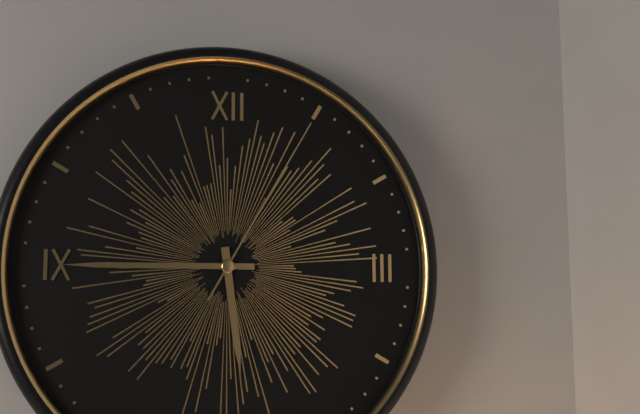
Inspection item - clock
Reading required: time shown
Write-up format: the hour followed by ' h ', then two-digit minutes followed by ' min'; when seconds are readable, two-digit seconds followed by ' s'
5 h 45 min 05 s
